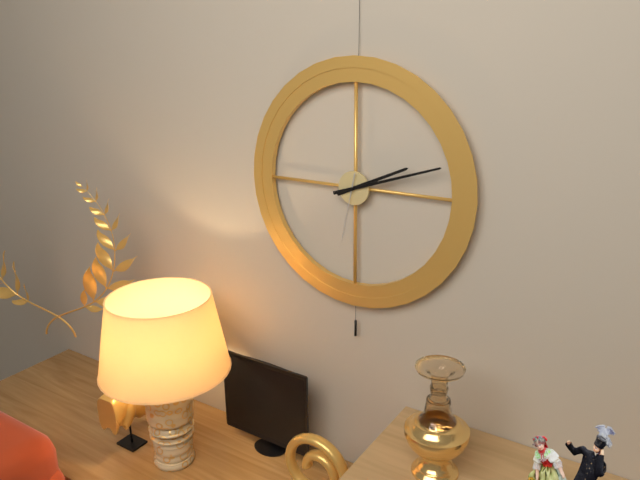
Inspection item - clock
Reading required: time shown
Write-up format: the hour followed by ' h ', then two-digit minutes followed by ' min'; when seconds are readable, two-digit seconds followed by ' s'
2 h 12 min 32 s
